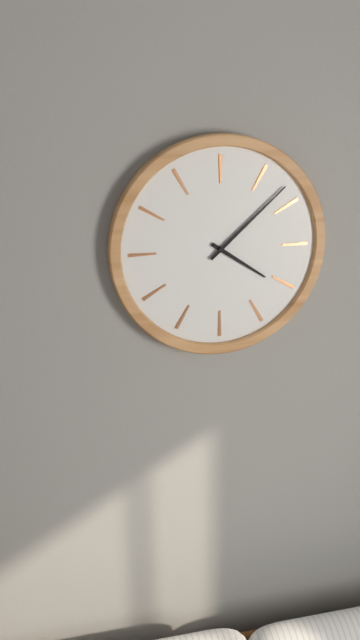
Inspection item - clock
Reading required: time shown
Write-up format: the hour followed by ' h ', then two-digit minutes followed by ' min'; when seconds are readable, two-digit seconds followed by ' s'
4 h 08 min
